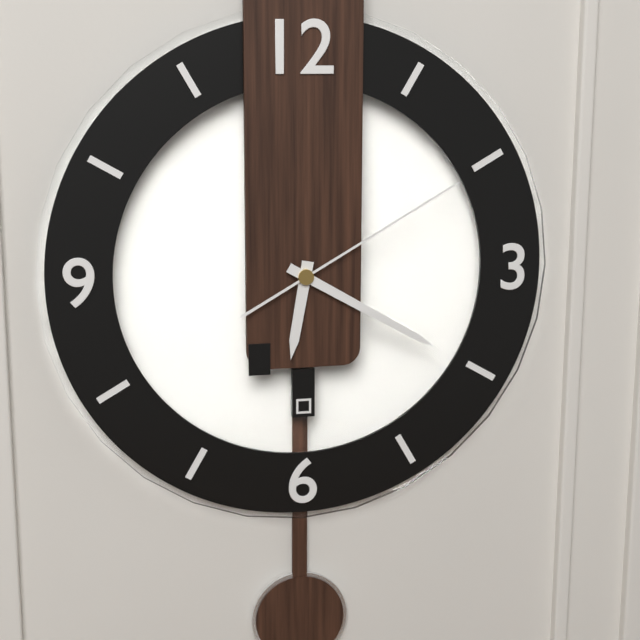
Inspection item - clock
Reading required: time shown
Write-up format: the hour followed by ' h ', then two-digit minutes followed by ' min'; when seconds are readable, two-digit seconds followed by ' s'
6 h 20 min 10 s
